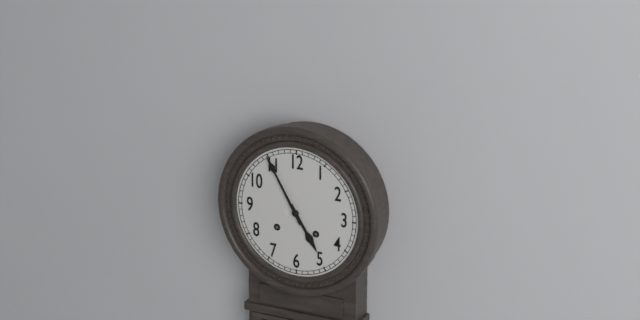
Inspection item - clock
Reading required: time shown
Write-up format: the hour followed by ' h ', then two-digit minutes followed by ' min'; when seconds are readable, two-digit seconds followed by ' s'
4 h 55 min
